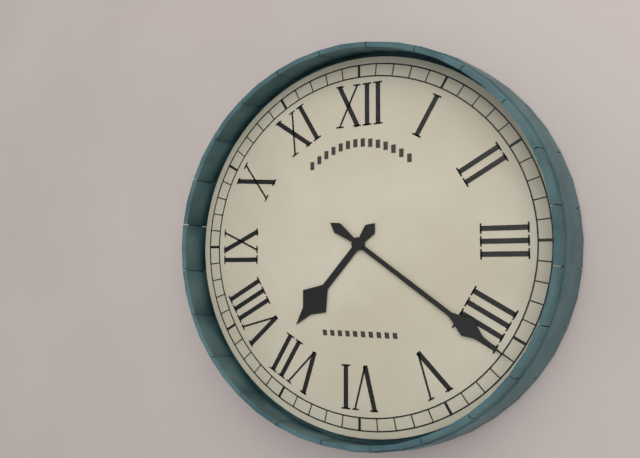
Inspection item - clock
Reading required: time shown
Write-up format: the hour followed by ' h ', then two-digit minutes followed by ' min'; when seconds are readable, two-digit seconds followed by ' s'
7 h 21 min
